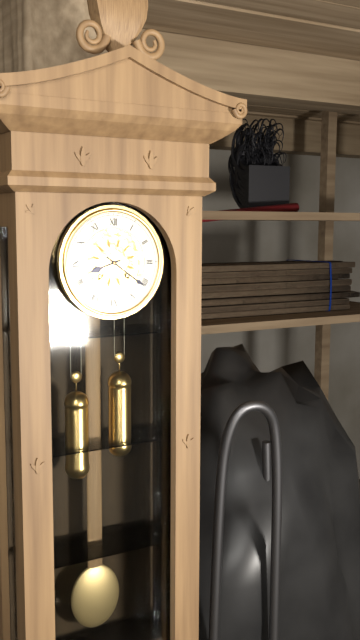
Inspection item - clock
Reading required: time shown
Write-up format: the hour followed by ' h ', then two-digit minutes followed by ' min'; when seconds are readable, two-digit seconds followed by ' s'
8 h 21 min
